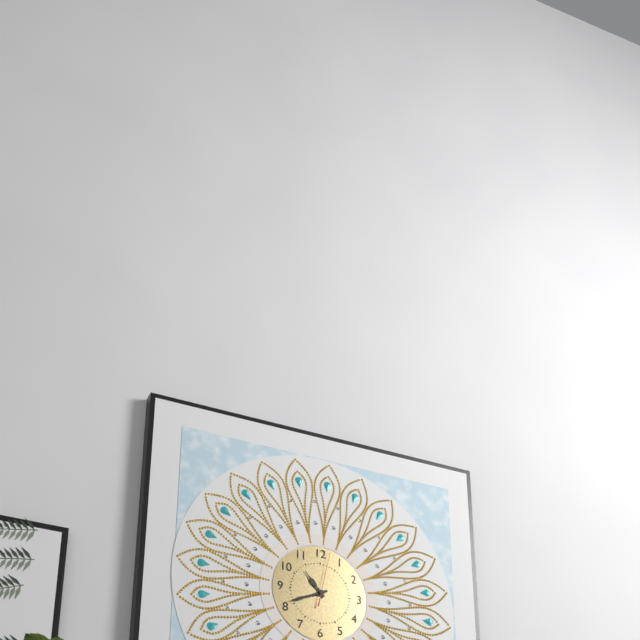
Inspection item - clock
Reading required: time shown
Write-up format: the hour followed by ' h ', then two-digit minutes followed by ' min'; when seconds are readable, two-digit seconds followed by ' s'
10 h 41 min 02 s
